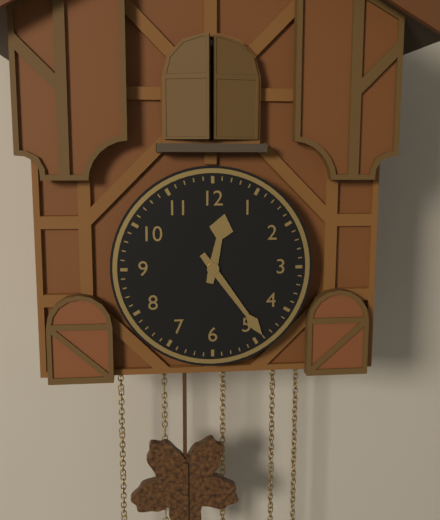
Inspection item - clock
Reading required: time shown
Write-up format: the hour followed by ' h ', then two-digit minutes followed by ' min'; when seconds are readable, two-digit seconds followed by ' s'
12 h 24 min
